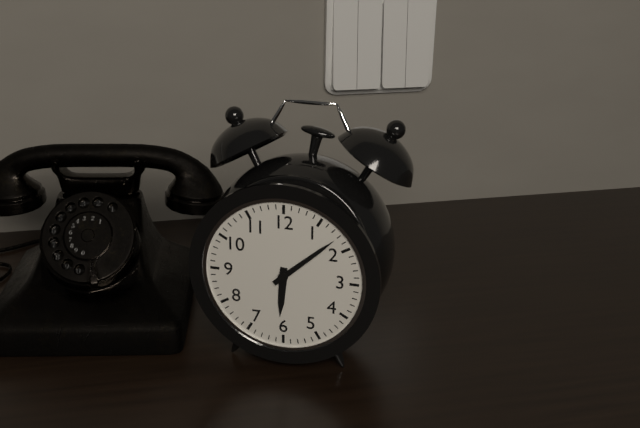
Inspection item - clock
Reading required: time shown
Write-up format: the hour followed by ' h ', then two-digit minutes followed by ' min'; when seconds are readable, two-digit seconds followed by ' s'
6 h 08 min
